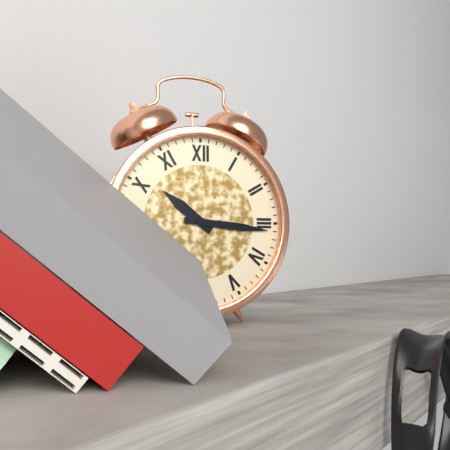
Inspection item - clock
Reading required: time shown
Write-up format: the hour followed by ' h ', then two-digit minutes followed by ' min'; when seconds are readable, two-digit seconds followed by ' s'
10 h 16 min
